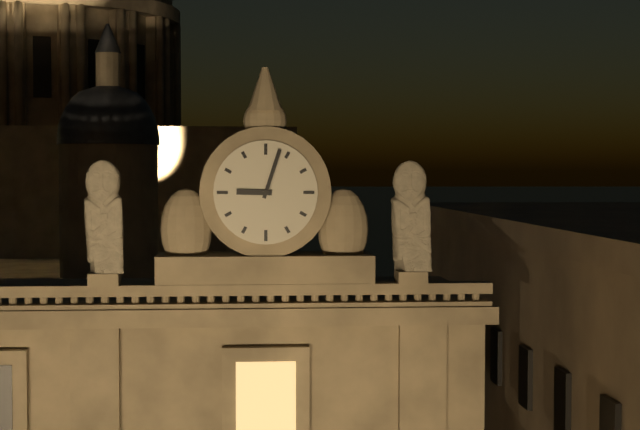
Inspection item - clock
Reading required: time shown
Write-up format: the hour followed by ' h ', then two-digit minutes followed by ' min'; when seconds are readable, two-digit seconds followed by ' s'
9 h 03 min
